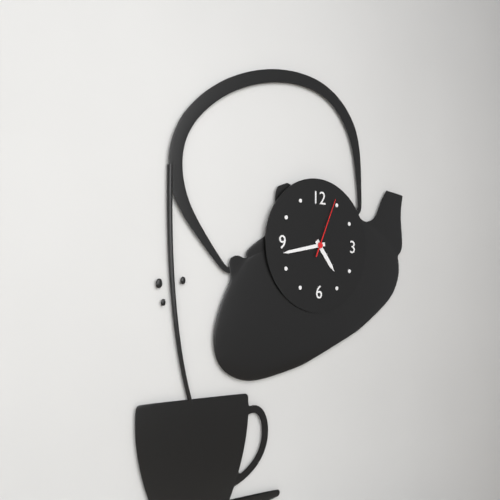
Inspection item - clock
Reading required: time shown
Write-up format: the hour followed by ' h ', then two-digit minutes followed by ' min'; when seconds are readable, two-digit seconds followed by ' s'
4 h 43 min 04 s
